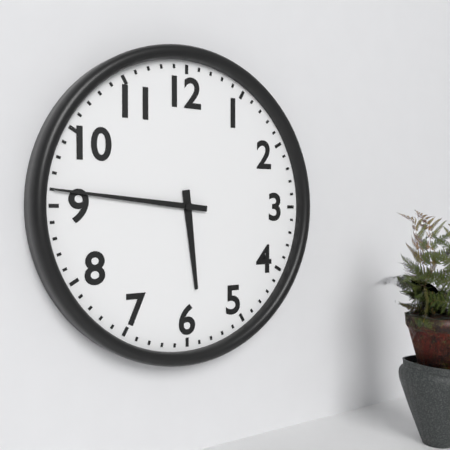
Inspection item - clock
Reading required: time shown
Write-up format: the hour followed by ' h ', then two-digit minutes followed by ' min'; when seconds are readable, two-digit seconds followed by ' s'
5 h 46 min
